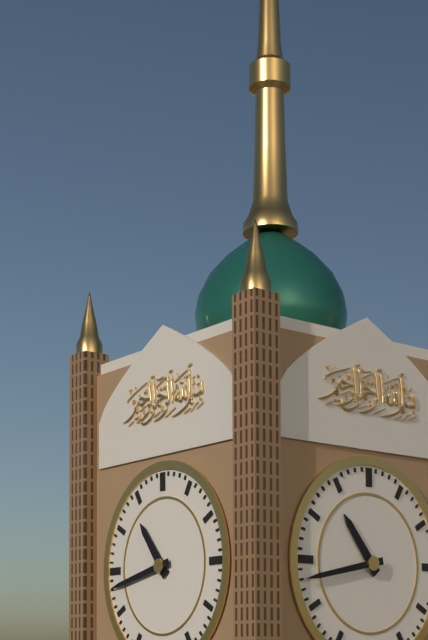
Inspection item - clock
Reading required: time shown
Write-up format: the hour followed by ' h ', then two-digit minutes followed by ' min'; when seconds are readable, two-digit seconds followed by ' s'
10 h 43 min
